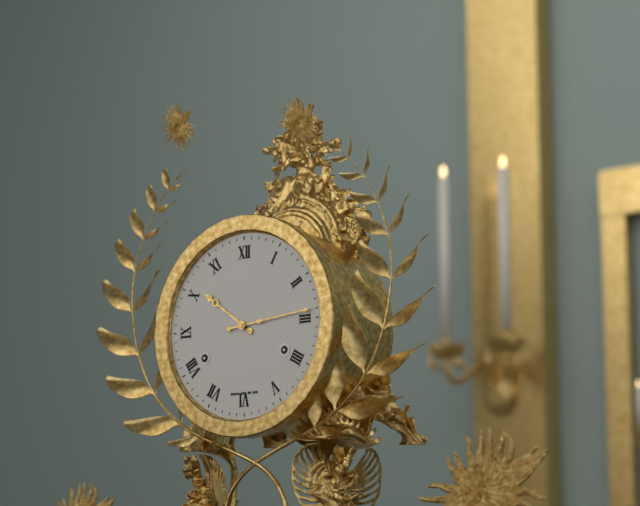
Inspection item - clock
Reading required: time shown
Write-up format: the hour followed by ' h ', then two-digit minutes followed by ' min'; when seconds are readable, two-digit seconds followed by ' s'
10 h 14 min
